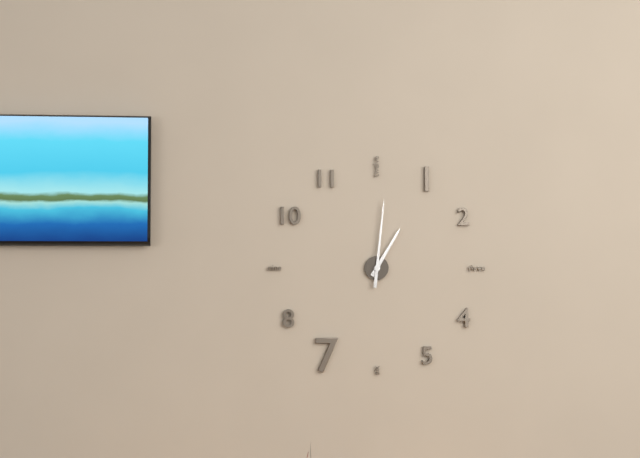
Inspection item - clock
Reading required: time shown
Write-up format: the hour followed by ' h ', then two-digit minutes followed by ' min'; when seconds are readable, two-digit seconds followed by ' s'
1 h 01 min
